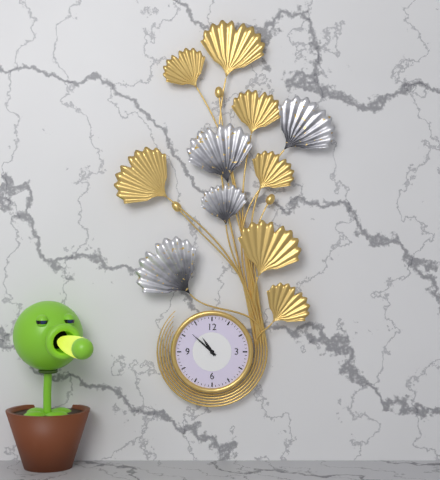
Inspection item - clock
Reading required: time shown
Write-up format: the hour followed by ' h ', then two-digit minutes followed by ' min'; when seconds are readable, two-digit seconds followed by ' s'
10 h 52 min
